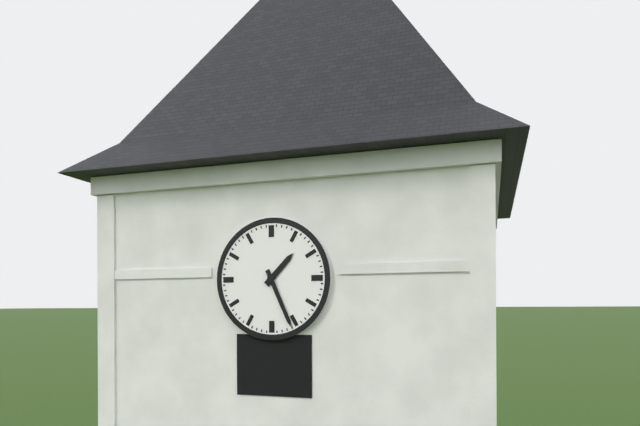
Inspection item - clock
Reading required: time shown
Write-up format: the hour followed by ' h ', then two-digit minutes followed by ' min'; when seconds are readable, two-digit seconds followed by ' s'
1 h 26 min
